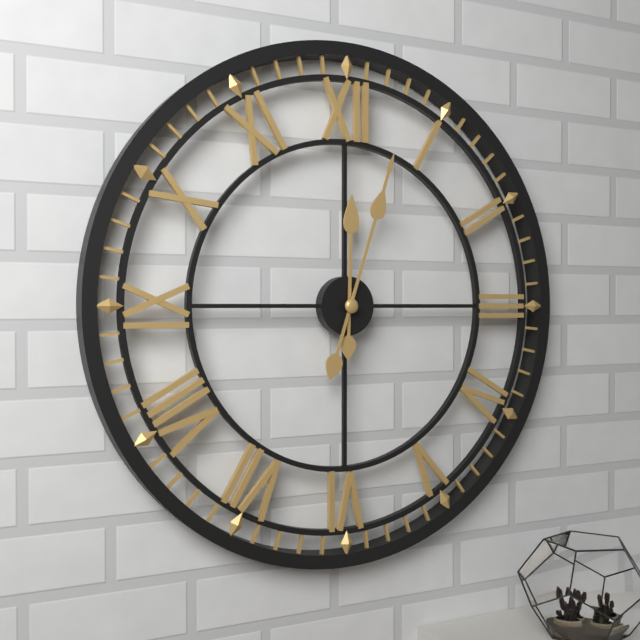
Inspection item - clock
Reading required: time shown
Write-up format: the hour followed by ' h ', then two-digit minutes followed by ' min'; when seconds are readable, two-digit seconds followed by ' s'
12 h 03 min
